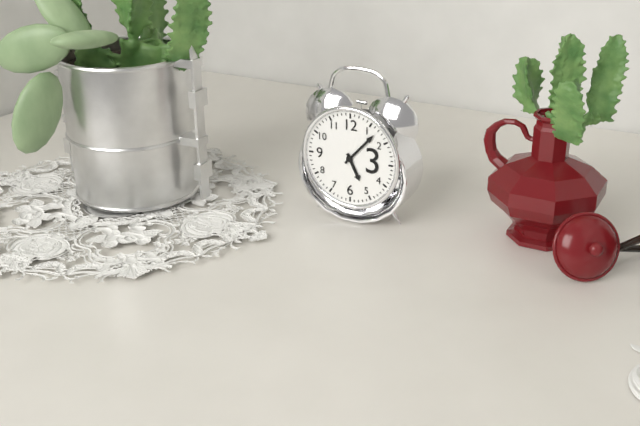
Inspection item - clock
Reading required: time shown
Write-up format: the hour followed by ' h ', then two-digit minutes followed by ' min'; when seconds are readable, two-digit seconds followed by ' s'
5 h 07 min
